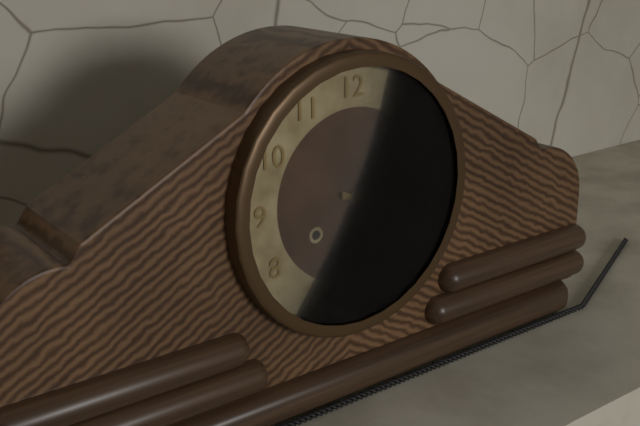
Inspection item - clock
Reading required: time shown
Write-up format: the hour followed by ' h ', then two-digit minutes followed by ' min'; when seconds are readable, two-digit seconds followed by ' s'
3 h 19 min
